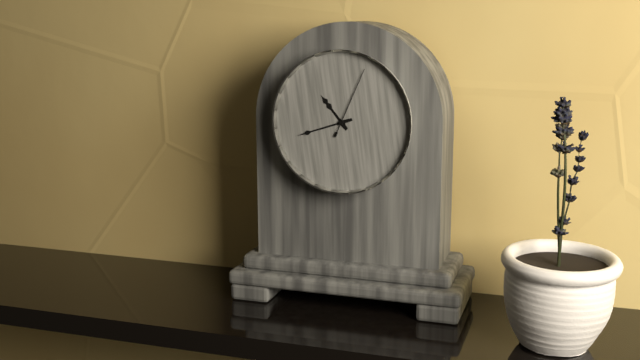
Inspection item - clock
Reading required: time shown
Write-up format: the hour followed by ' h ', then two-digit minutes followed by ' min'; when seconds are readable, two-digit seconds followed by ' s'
10 h 42 min 04 s
